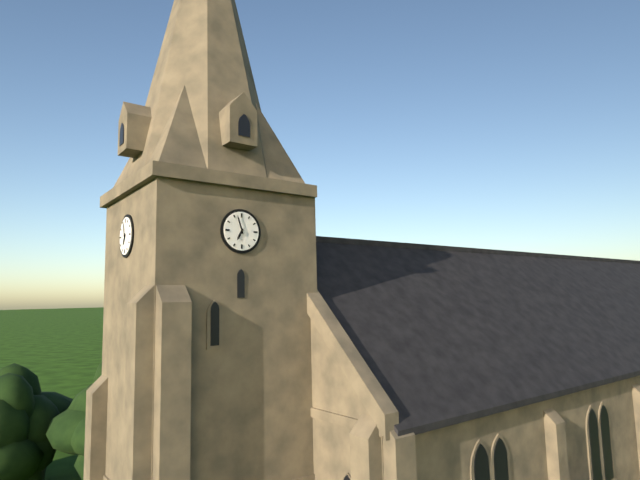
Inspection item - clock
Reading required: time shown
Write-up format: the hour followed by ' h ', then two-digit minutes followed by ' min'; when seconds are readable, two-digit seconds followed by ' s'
6 h 57 min
